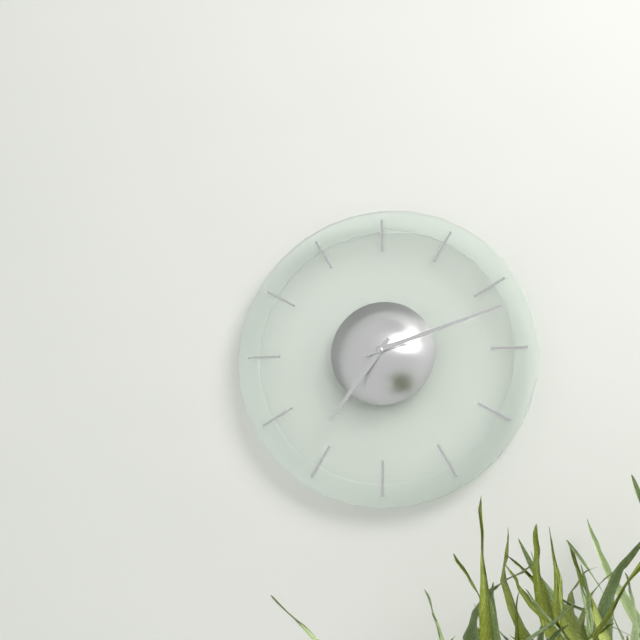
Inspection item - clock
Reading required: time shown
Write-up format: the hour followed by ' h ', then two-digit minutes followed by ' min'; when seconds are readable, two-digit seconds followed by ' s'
7 h 12 min
